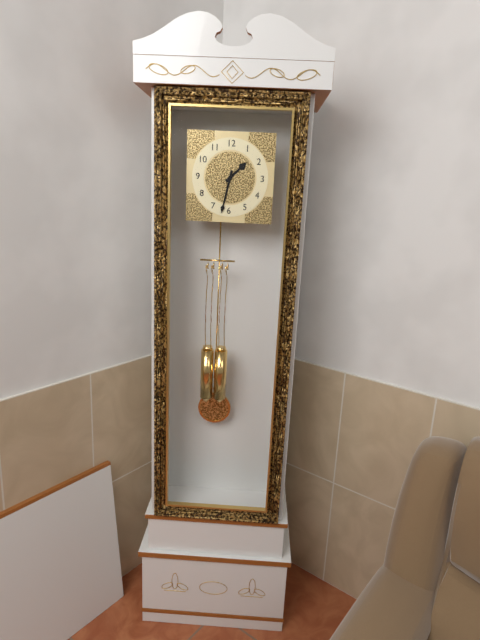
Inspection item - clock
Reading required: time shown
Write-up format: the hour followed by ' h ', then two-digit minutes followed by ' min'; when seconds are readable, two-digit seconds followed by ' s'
1 h 32 min
